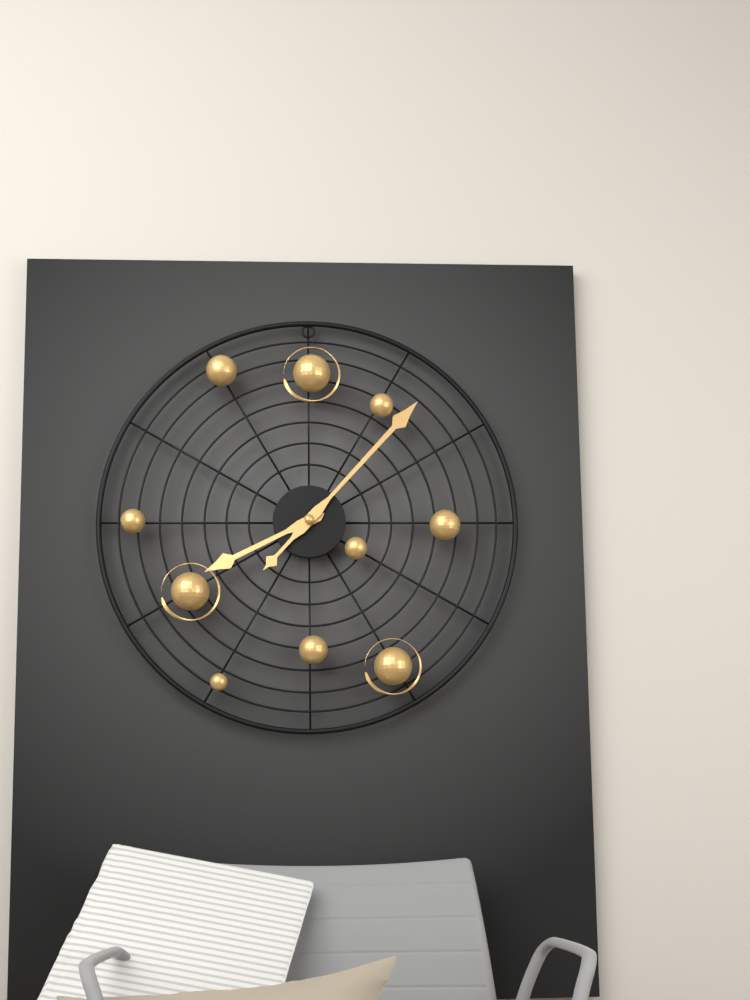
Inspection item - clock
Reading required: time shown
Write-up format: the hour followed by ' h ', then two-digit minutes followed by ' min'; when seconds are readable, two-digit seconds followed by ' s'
8 h 07 min
